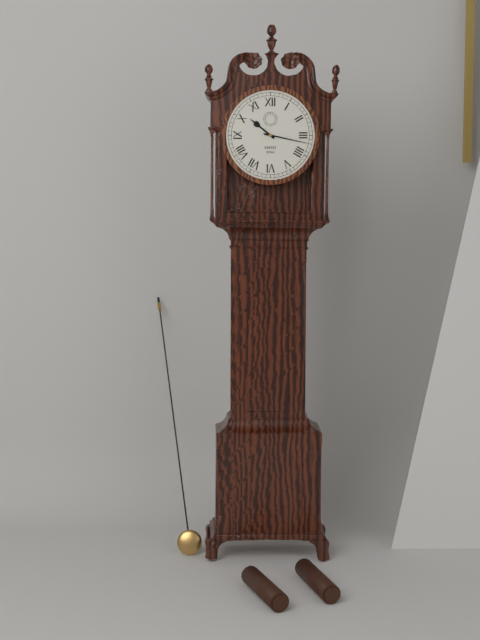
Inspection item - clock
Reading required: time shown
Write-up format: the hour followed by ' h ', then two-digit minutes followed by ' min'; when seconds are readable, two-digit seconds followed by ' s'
10 h 17 min
